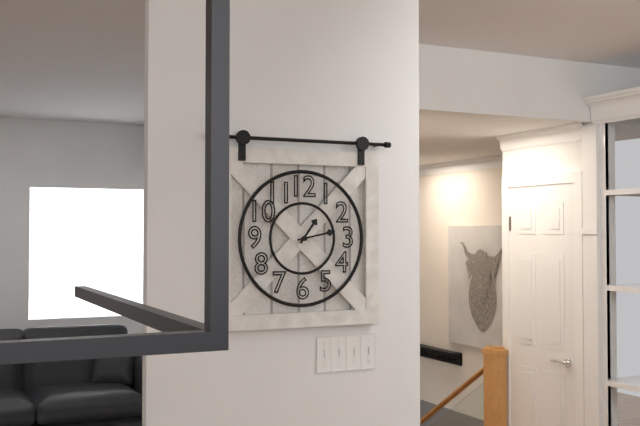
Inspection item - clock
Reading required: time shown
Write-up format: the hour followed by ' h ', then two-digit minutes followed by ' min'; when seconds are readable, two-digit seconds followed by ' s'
1 h 13 min
